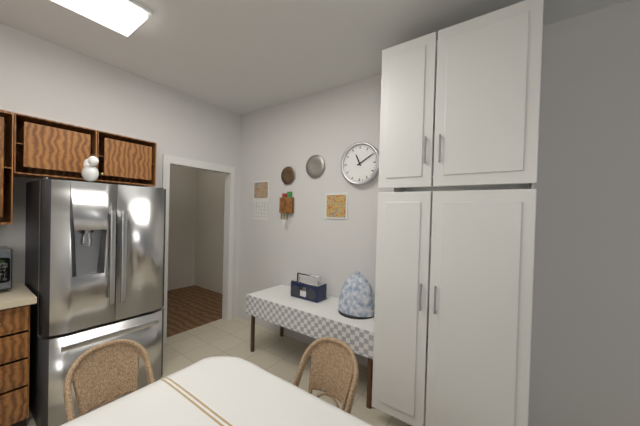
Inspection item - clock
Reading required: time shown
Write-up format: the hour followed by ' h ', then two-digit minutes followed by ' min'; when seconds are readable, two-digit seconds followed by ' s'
11 h 10 min
